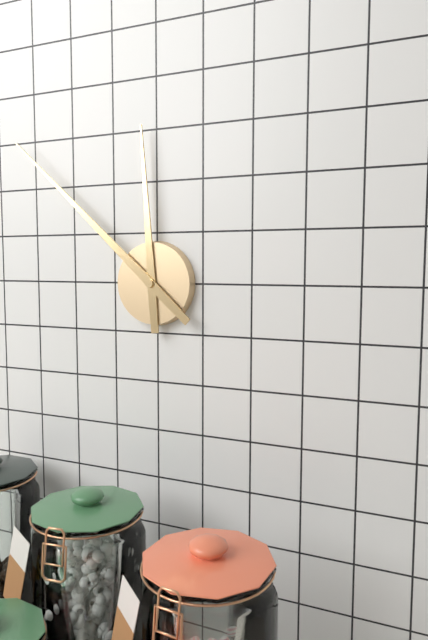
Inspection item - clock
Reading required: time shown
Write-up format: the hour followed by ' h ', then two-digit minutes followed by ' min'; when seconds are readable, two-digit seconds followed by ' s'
11 h 52 min
